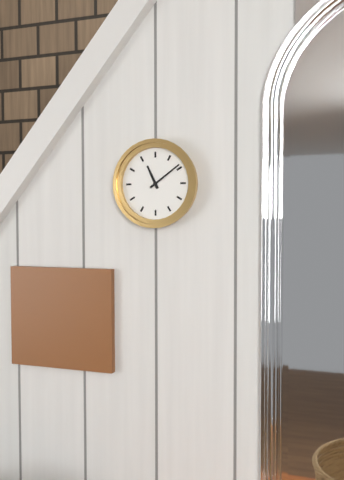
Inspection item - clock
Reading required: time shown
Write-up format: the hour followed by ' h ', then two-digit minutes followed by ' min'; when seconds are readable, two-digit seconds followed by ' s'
11 h 09 min
